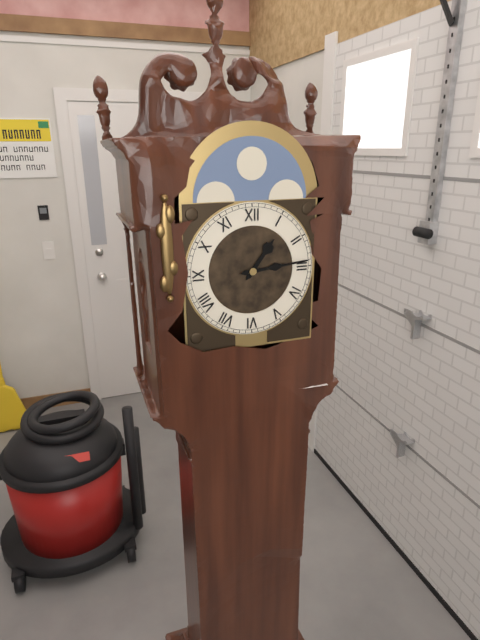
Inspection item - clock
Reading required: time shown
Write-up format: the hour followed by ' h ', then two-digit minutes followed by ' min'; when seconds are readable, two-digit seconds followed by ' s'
1 h 14 min
